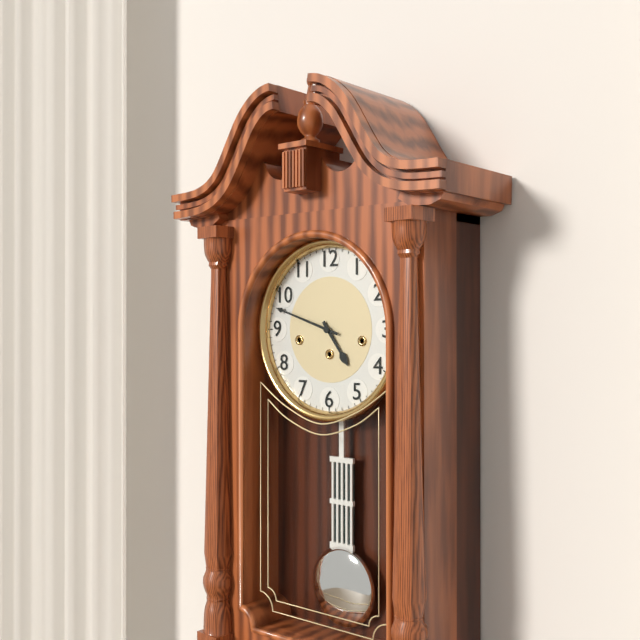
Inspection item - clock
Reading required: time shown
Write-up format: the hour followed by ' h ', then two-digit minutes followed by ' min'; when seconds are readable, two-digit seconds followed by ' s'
4 h 48 min
